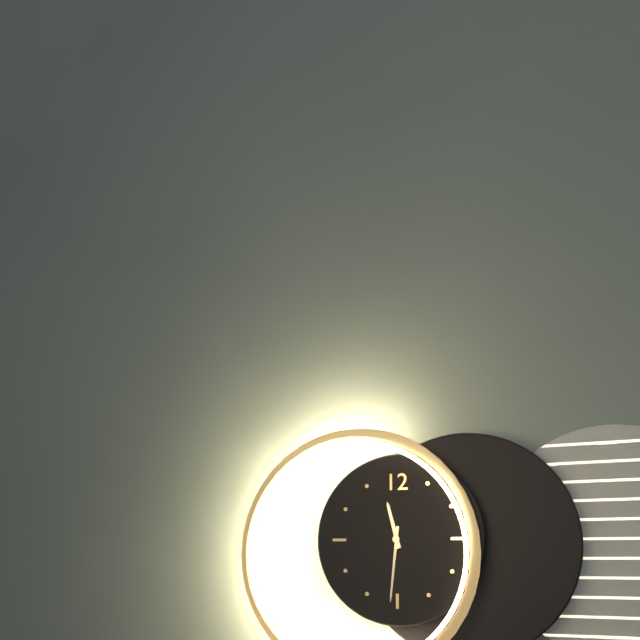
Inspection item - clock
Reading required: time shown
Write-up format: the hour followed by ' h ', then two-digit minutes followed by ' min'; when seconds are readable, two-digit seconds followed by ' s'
11 h 31 min
